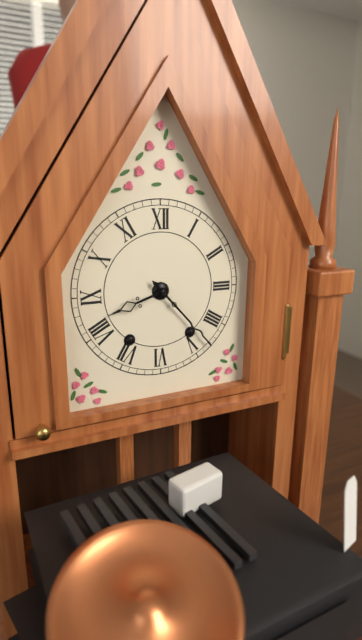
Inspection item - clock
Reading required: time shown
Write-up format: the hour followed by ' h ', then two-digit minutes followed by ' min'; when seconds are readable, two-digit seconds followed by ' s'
8 h 23 min
